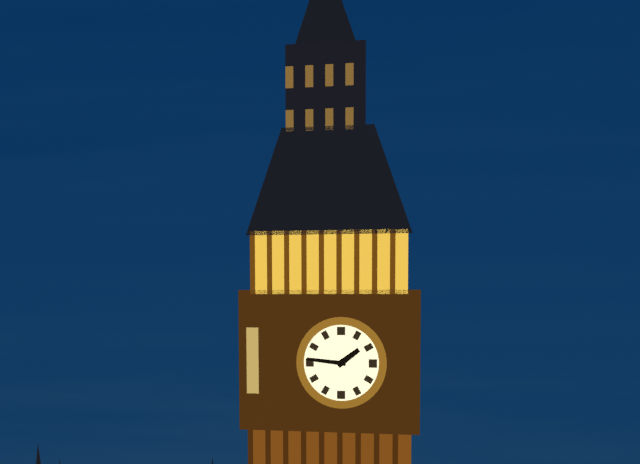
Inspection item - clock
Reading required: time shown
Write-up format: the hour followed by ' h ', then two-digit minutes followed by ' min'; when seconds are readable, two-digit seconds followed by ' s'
1 h 46 min
